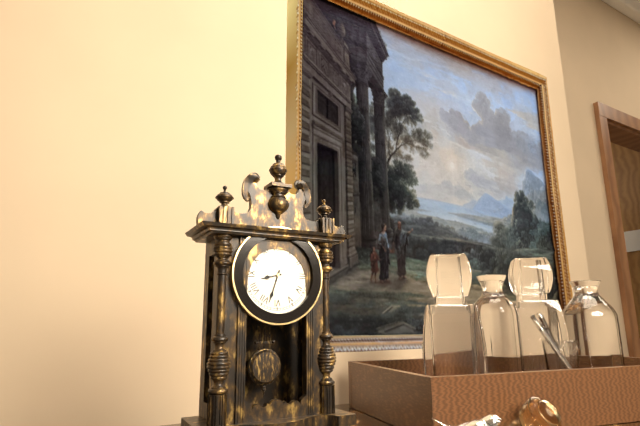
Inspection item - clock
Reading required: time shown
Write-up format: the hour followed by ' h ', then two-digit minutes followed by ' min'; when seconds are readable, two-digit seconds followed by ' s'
8 h 33 min
